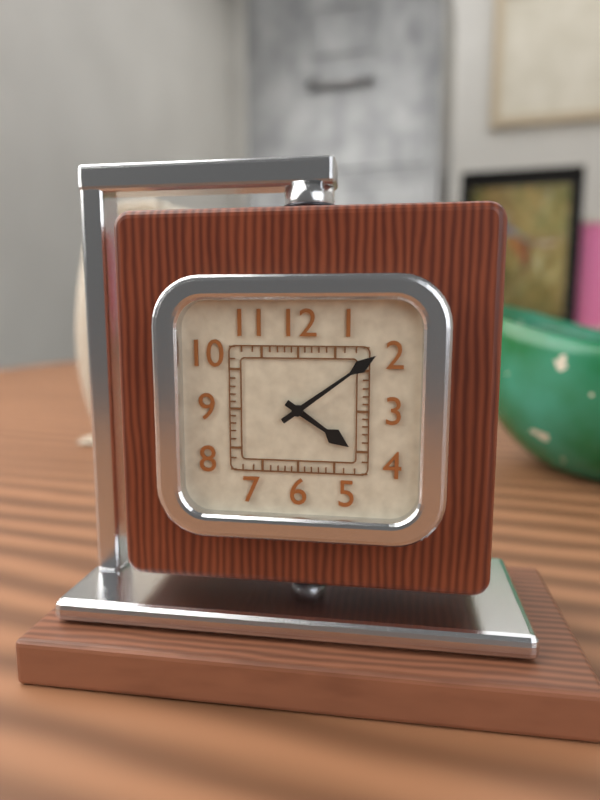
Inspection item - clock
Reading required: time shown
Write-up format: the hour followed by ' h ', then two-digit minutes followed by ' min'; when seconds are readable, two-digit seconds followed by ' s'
4 h 09 min
